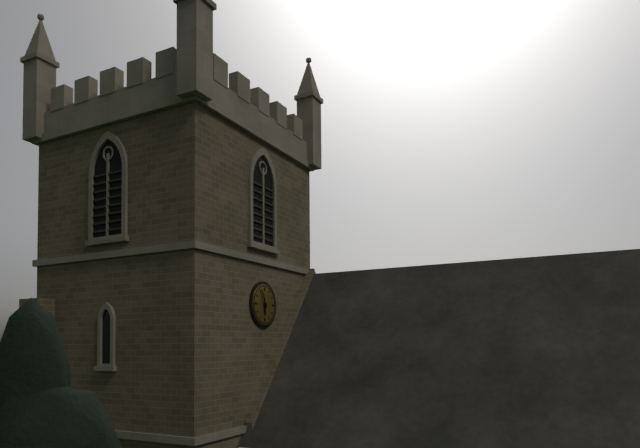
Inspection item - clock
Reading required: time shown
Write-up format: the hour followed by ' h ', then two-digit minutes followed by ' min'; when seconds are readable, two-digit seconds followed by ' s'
5 h 56 min
